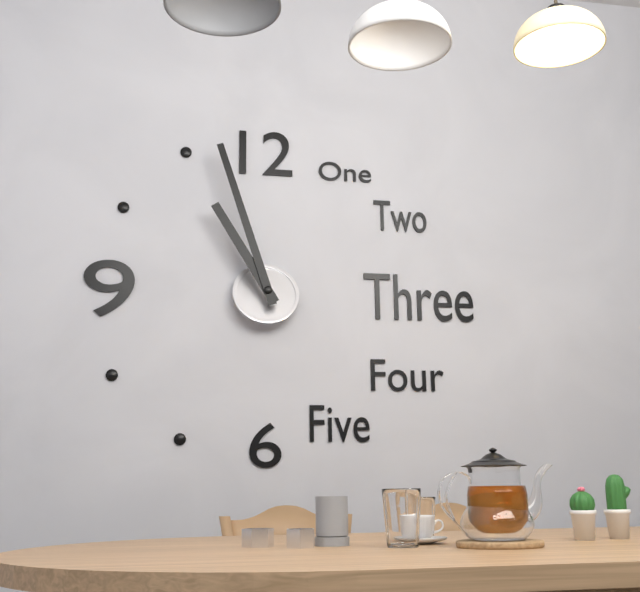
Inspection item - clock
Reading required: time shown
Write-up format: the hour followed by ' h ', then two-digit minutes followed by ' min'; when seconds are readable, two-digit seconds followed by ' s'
10 h 57 min
